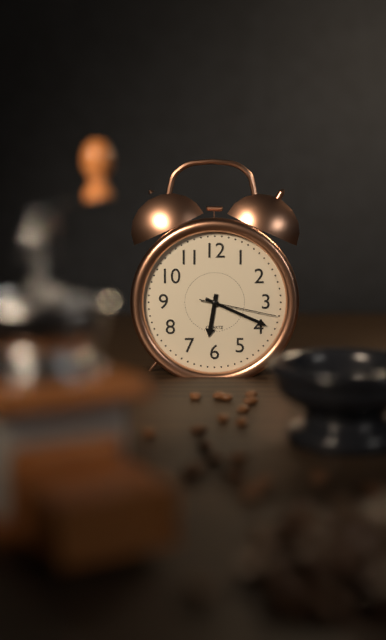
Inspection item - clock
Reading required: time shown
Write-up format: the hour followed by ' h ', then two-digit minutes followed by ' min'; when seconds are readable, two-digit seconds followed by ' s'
6 h 19 min 17 s
